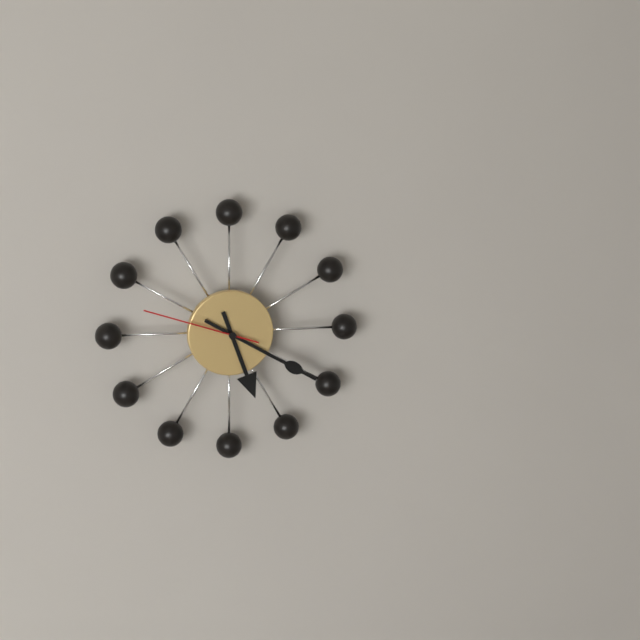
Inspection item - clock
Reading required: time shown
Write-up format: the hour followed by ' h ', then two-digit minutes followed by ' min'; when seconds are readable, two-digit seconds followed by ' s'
5 h 20 min 48 s
